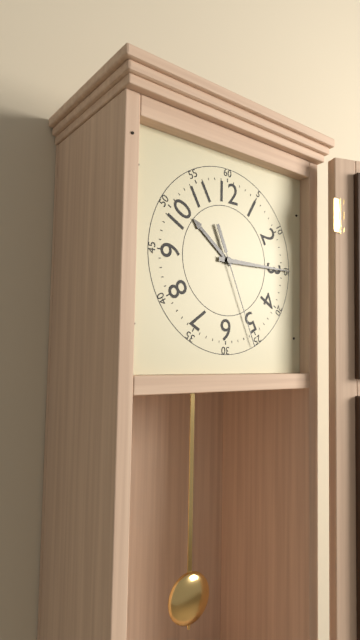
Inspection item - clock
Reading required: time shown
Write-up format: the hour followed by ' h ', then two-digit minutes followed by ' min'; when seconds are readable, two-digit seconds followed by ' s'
10 h 15 min 26 s
